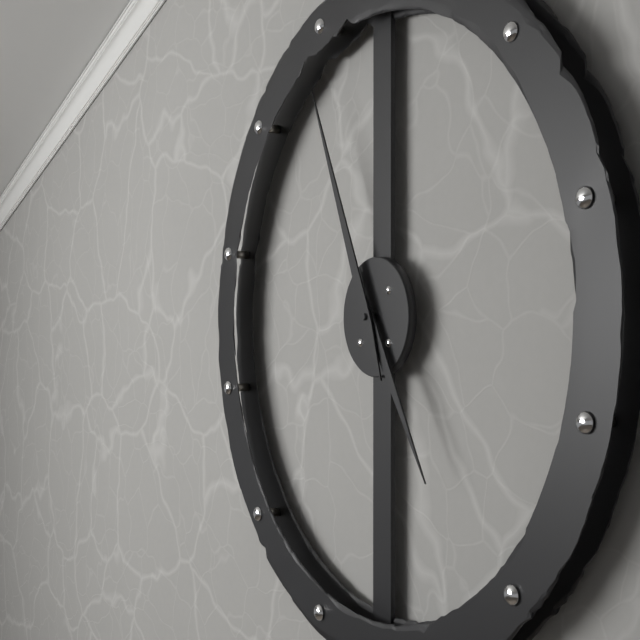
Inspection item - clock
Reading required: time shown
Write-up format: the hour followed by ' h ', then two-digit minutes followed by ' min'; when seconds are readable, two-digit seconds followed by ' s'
4 h 56 min
